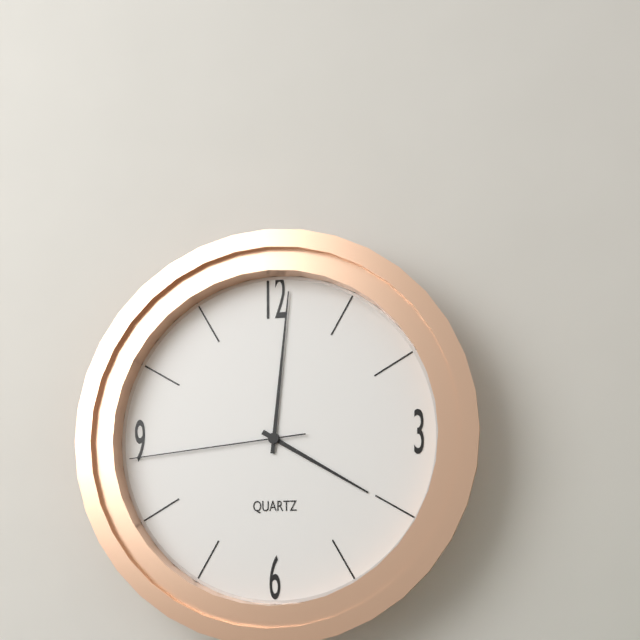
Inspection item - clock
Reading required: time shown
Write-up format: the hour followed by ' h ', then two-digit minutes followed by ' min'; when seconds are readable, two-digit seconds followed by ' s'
4 h 01 min 44 s
